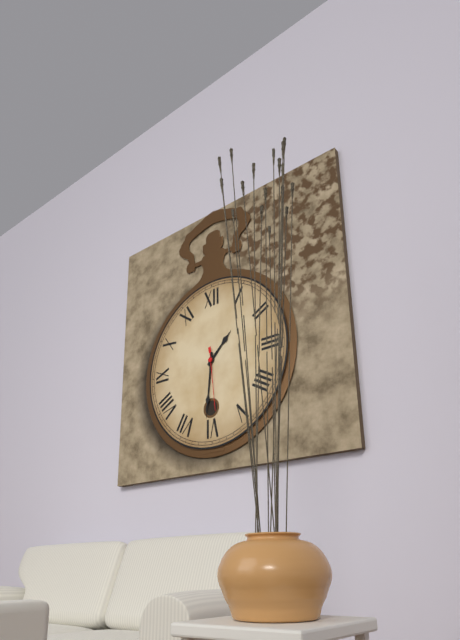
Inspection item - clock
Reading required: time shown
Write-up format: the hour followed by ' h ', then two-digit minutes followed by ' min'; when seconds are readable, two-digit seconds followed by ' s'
1 h 31 min 29 s
